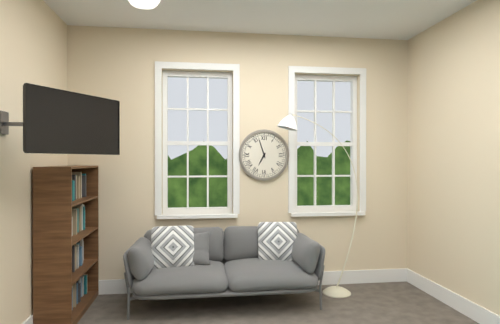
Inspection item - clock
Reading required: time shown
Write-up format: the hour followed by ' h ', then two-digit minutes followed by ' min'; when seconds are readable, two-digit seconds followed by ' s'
6 h 57 min
